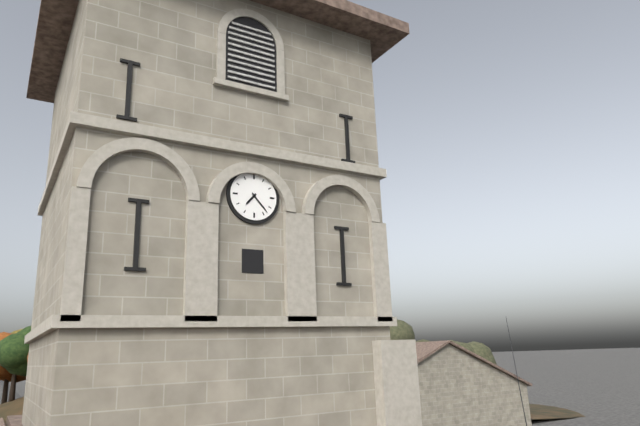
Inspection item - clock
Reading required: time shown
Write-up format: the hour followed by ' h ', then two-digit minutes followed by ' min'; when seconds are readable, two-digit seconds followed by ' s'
7 h 23 min
